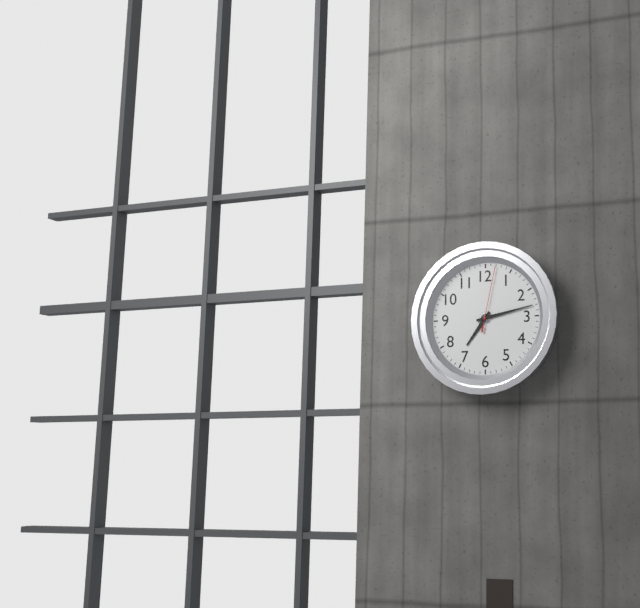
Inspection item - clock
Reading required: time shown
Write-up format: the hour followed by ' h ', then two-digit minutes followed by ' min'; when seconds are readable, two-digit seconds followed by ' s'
7 h 13 min 02 s
